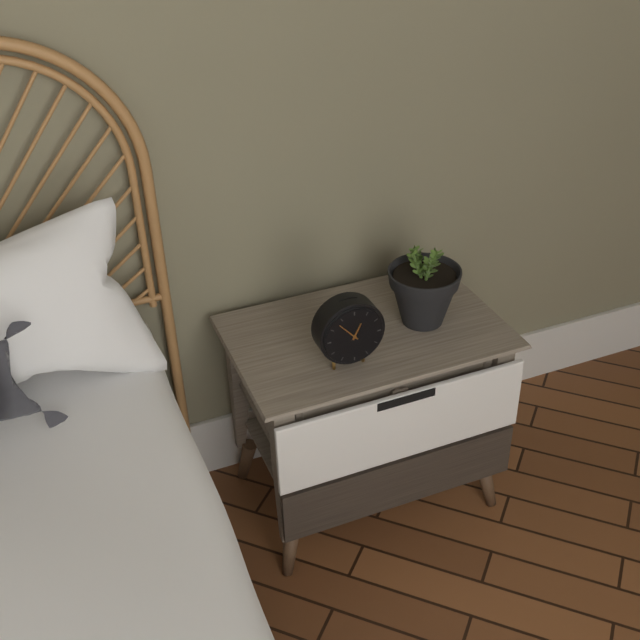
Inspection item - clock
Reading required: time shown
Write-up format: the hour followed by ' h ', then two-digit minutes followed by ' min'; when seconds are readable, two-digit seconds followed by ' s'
12 h 53 min
